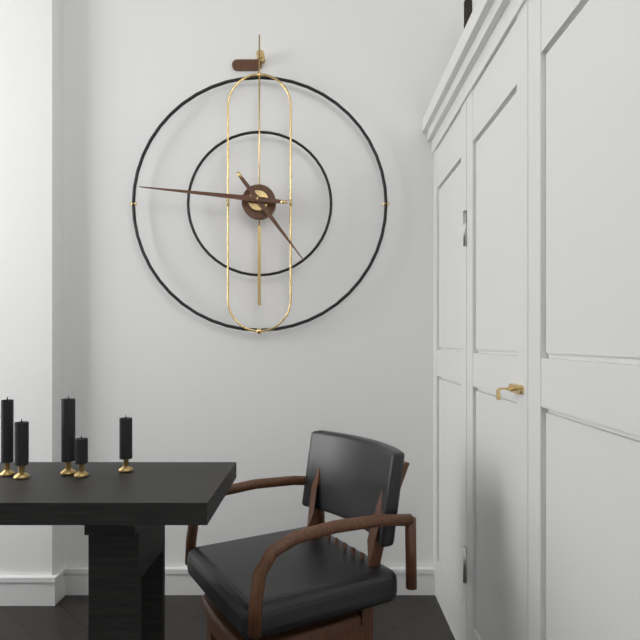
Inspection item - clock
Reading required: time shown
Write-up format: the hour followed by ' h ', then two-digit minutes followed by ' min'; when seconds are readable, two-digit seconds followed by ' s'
4 h 46 min
